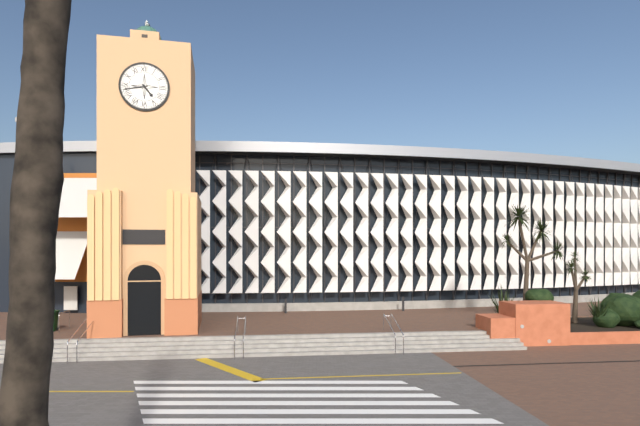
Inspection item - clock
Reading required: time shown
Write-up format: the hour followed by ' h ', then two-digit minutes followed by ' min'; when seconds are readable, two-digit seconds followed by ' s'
4 h 43 min
